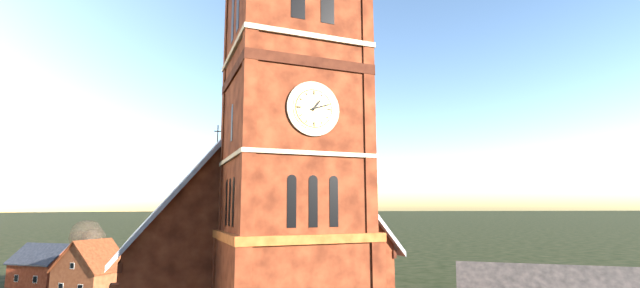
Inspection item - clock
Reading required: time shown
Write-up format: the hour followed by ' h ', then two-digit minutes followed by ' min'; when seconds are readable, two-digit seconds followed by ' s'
1 h 12 min
